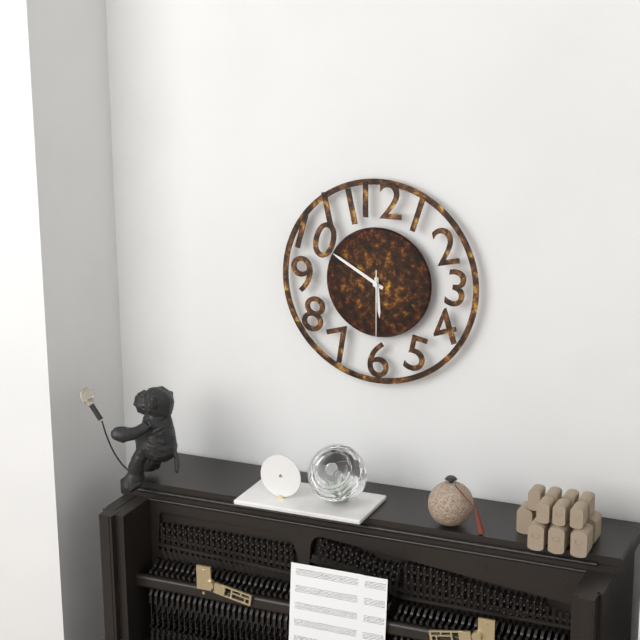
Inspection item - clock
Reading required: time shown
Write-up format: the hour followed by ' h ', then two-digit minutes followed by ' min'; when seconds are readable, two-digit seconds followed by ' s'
5 h 50 min 30 s
